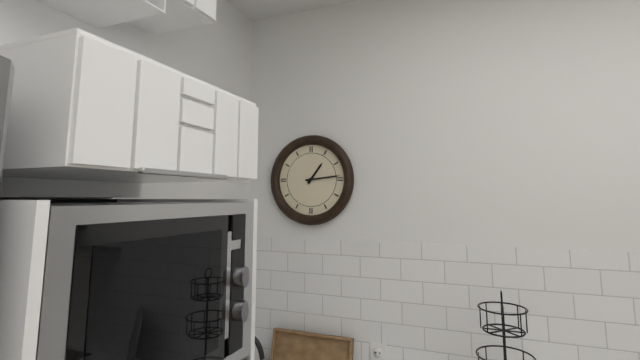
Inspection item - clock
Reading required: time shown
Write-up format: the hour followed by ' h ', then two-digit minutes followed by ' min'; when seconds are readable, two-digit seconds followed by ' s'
1 h 14 min
